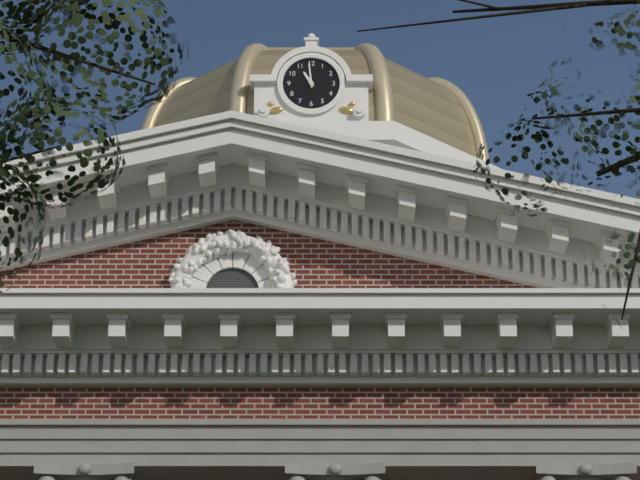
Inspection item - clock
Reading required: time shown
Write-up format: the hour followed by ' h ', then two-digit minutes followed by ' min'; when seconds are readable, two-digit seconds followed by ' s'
10 h 59 min
